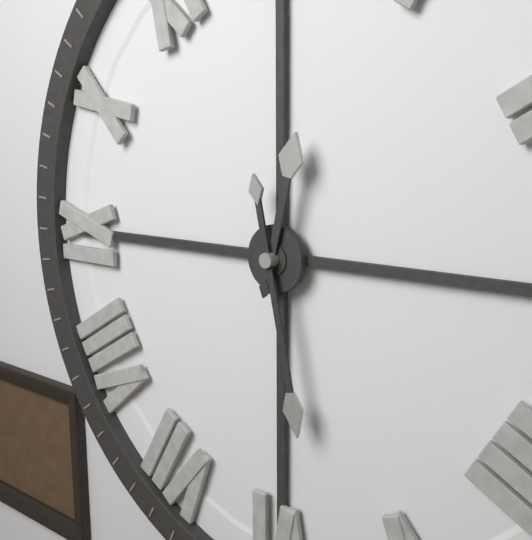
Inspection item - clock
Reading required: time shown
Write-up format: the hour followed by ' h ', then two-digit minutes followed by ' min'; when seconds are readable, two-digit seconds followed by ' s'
12 h 28 min
